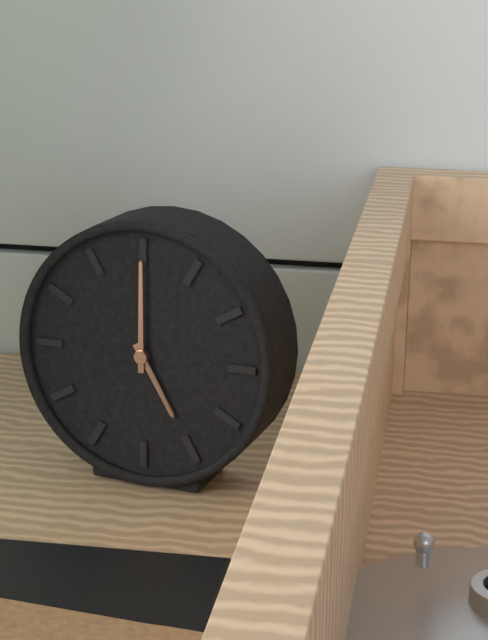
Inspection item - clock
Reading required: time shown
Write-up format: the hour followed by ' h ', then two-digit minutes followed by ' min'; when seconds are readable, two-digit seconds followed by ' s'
5 h 00 min
